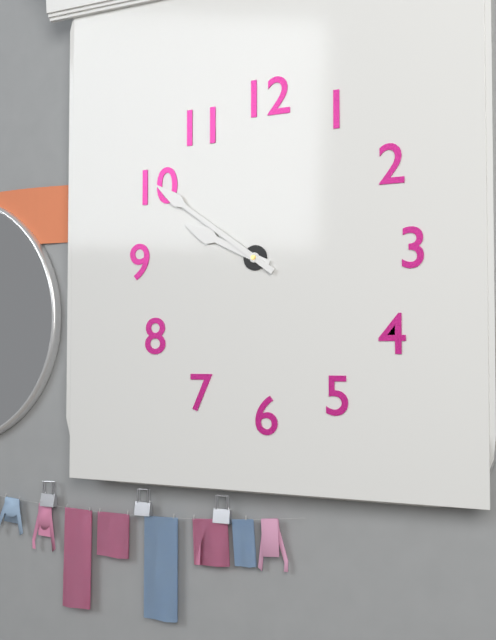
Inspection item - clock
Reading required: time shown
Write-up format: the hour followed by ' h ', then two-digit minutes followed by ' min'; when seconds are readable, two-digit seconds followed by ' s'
9 h 51 min
